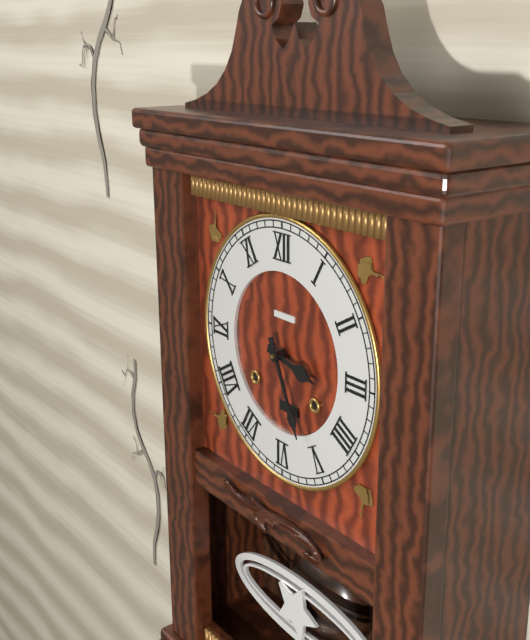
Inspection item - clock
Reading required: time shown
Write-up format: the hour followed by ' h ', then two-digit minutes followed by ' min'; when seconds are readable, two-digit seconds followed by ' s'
3 h 26 min
